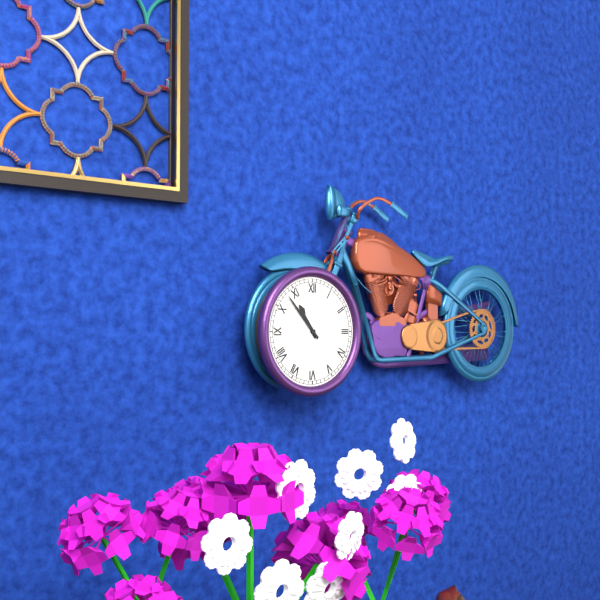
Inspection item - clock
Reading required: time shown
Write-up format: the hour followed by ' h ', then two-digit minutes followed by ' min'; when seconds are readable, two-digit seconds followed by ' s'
10 h 53 min
